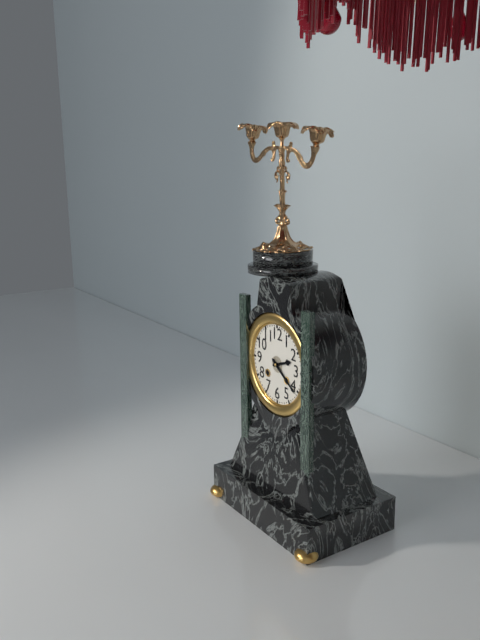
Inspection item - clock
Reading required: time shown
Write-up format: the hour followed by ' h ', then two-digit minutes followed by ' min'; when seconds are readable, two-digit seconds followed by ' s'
2 h 21 min
